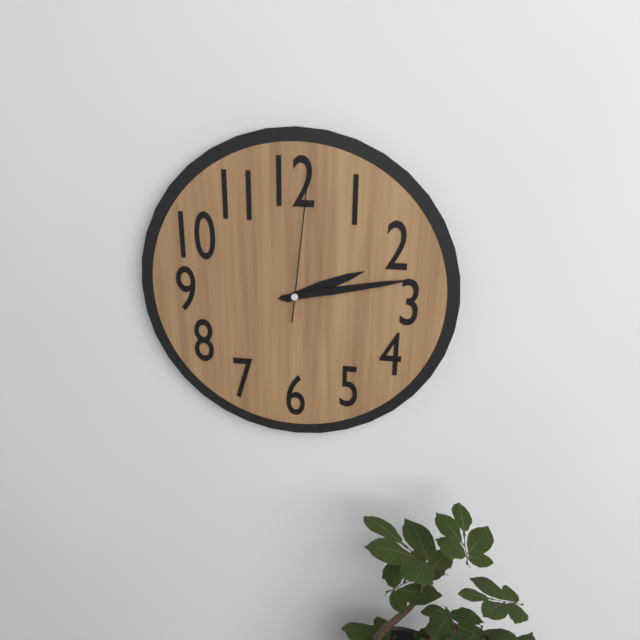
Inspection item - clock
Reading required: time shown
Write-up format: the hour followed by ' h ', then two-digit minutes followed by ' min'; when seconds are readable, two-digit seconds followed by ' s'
2 h 13 min 01 s
